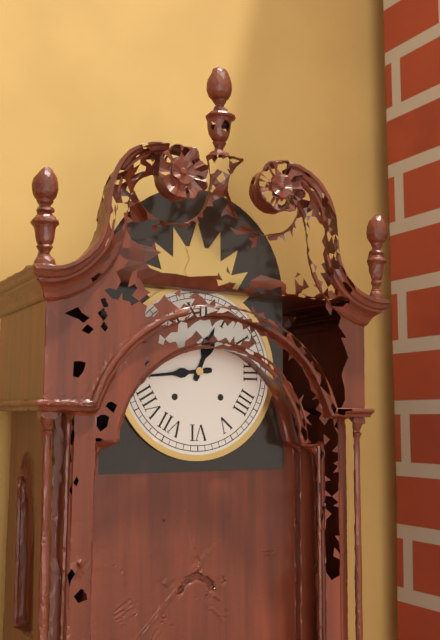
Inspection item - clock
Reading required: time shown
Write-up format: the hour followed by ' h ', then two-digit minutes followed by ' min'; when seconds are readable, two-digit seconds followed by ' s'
12 h 44 min
